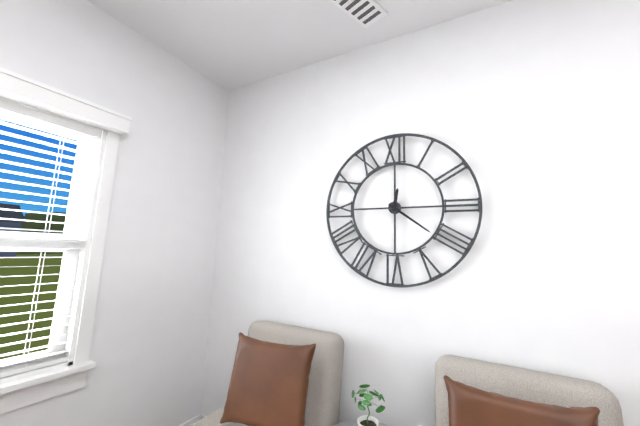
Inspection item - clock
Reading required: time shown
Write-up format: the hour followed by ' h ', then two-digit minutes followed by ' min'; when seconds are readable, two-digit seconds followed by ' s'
12 h 21 min
